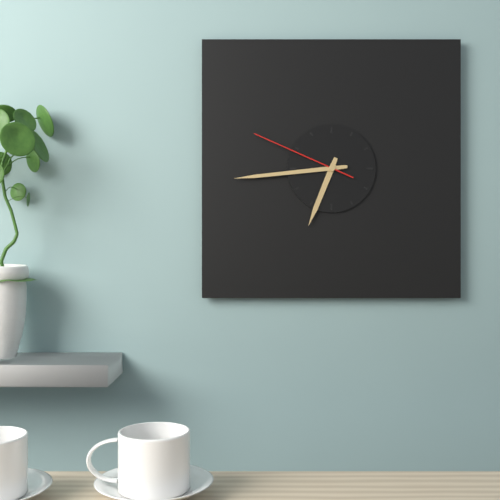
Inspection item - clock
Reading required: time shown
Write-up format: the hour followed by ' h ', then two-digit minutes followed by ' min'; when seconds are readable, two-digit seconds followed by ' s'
6 h 44 min 49 s
